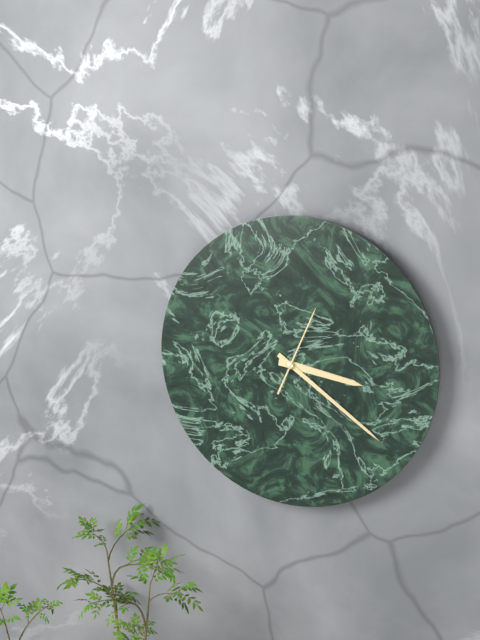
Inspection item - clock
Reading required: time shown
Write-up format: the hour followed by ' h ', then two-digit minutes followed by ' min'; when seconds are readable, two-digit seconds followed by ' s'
3 h 21 min 04 s
